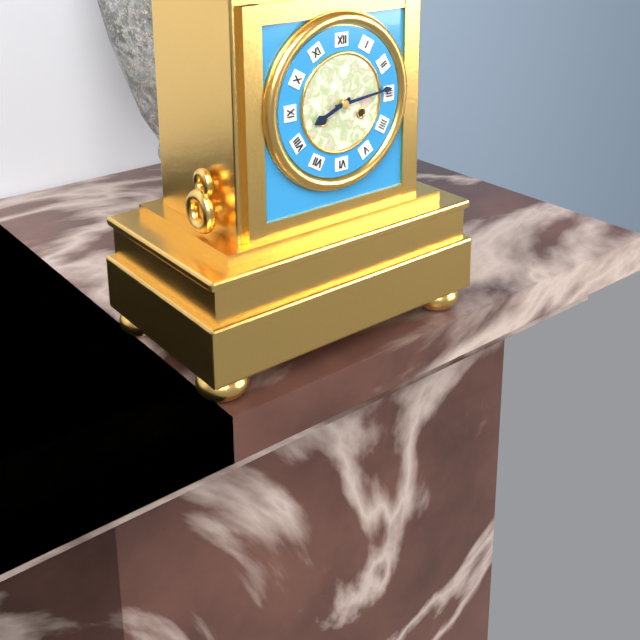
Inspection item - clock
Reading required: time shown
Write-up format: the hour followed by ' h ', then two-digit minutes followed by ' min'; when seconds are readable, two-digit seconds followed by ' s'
8 h 14 min
